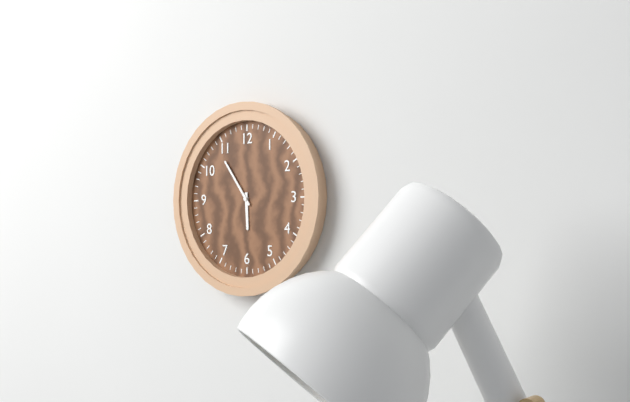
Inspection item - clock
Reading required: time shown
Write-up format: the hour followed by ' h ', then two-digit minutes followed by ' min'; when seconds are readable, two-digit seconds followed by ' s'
5 h 54 min
